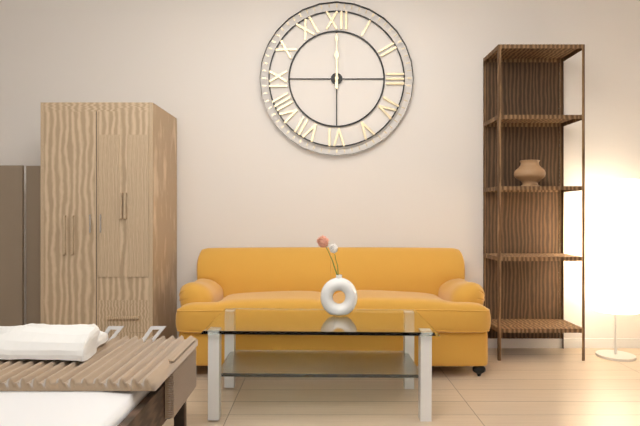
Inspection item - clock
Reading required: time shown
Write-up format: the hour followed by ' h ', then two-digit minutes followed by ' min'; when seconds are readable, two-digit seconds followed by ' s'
12 h 00 min
